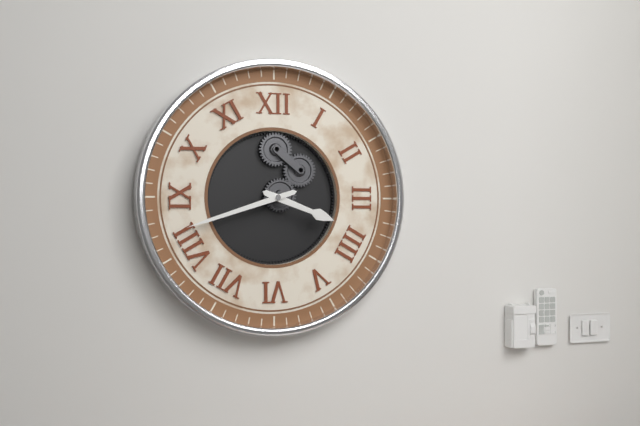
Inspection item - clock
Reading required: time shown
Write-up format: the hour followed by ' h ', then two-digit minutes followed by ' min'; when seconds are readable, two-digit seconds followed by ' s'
3 h 42 min
